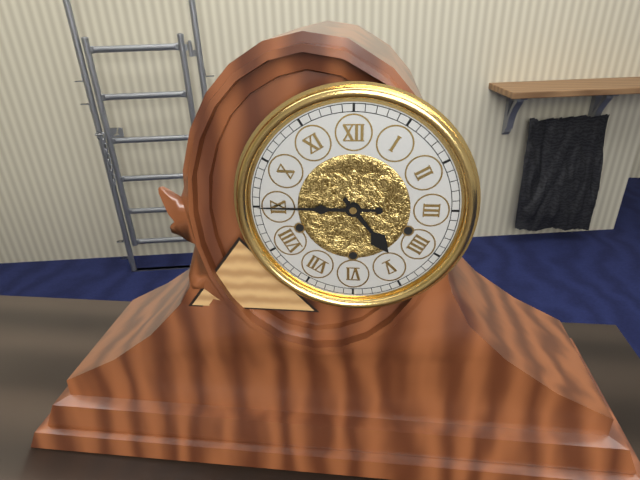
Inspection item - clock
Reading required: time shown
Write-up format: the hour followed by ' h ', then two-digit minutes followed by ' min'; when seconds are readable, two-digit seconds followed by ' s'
4 h 45 min
